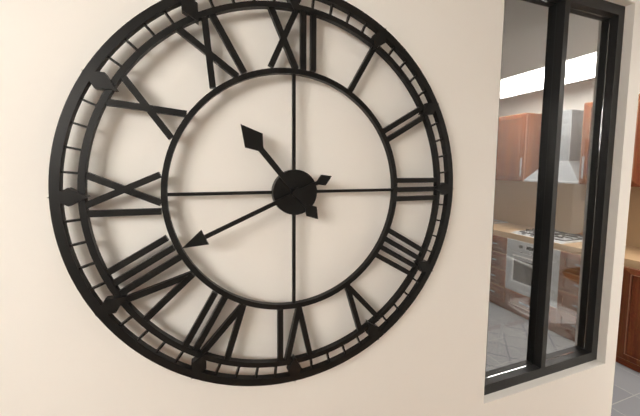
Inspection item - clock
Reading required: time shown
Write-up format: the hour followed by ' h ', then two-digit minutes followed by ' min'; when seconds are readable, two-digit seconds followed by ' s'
10 h 41 min
